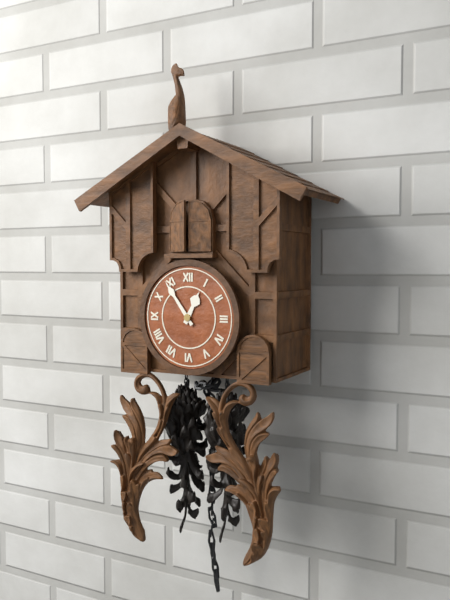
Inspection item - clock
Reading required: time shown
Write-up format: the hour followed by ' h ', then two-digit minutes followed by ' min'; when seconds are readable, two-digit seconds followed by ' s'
12 h 54 min
